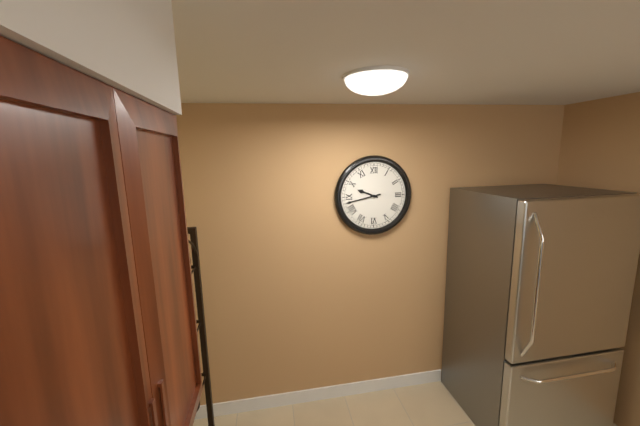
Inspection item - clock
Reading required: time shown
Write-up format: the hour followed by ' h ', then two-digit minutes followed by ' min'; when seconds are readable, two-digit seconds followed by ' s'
9 h 43 min
